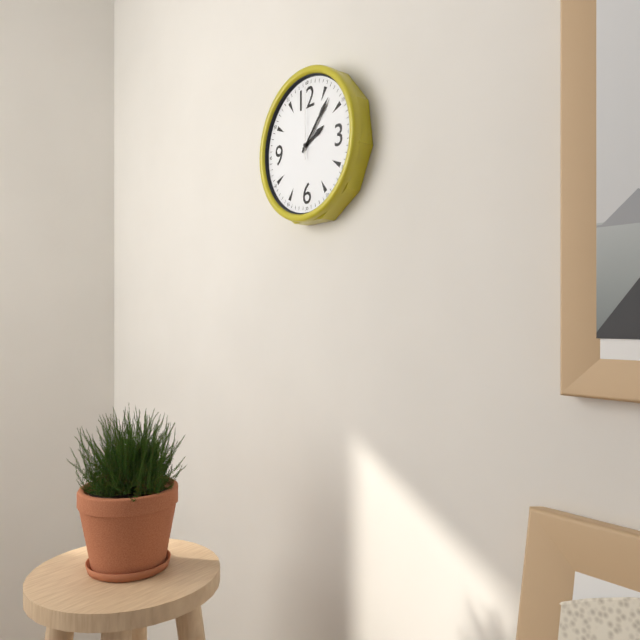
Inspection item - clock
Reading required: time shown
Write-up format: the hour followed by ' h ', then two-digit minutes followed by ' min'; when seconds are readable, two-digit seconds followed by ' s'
2 h 07 min 00 s
